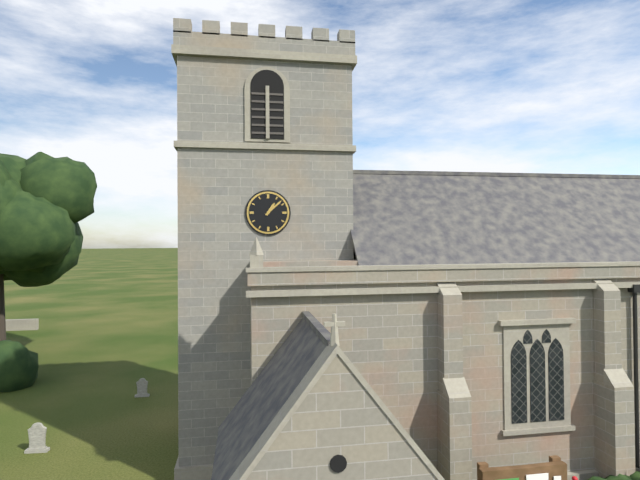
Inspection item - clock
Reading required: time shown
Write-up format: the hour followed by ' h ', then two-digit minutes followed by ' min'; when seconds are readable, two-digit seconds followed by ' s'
1 h 08 min
